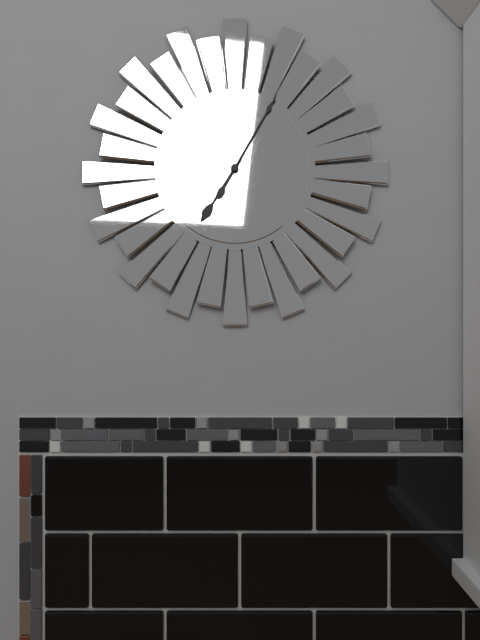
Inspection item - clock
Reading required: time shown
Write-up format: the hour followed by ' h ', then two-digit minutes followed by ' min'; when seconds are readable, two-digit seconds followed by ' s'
7 h 05 min
